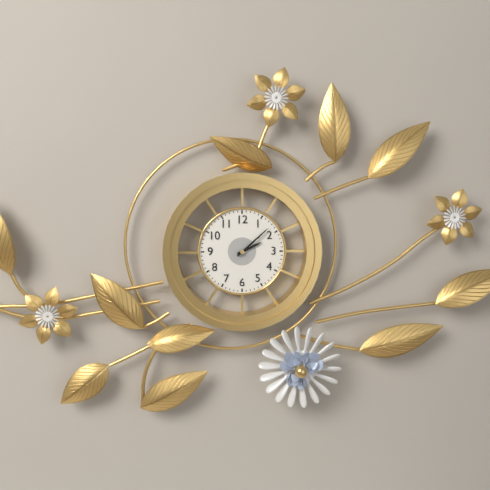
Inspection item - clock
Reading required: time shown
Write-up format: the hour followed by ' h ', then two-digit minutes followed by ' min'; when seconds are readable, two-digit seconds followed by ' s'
2 h 08 min
